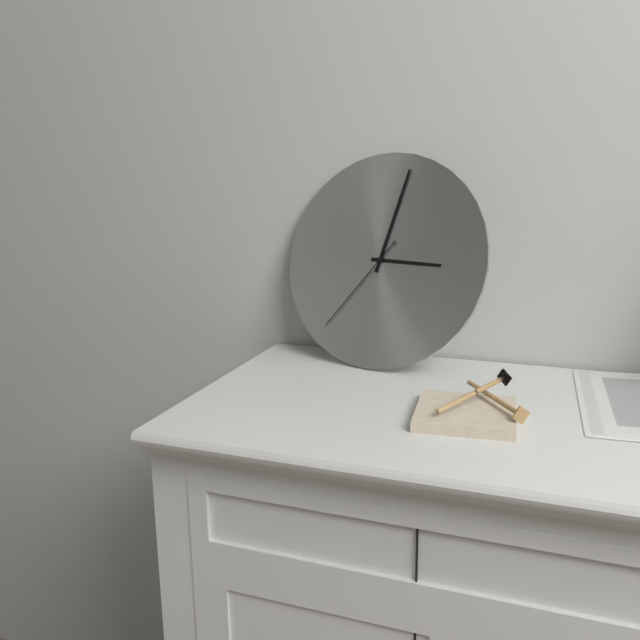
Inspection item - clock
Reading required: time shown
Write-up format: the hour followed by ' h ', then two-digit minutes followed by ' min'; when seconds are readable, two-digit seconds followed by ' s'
3 h 02 min 36 s
